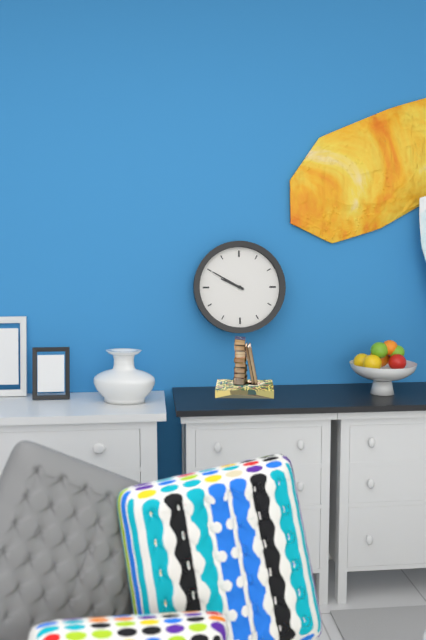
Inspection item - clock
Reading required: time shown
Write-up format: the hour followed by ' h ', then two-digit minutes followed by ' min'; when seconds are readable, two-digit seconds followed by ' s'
9 h 50 min
